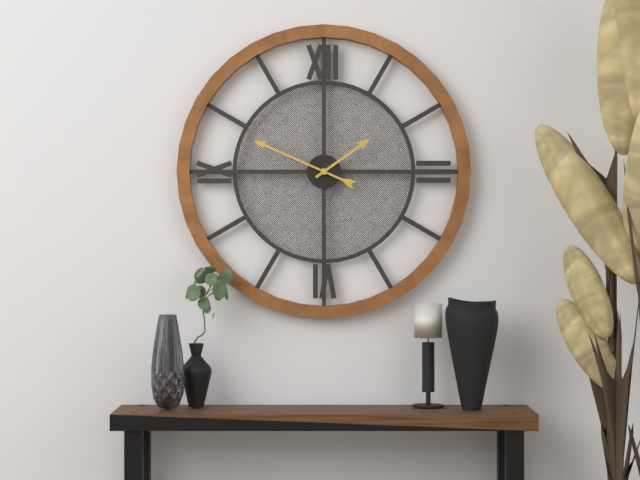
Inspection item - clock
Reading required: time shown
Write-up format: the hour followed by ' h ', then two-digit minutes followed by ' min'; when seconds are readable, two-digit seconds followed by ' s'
1 h 49 min
